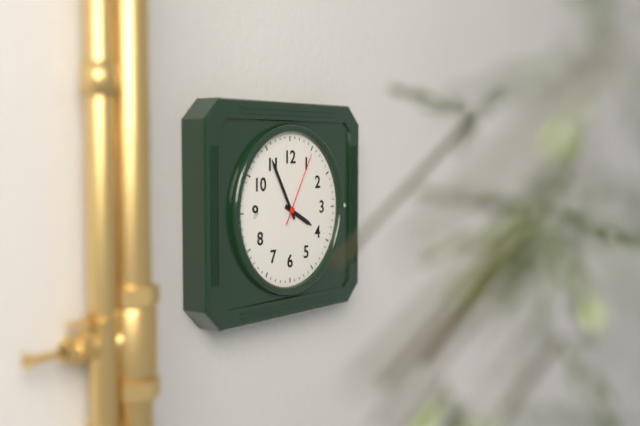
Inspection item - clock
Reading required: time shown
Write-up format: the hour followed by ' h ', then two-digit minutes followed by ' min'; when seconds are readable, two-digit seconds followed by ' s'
3 h 55 min 05 s
